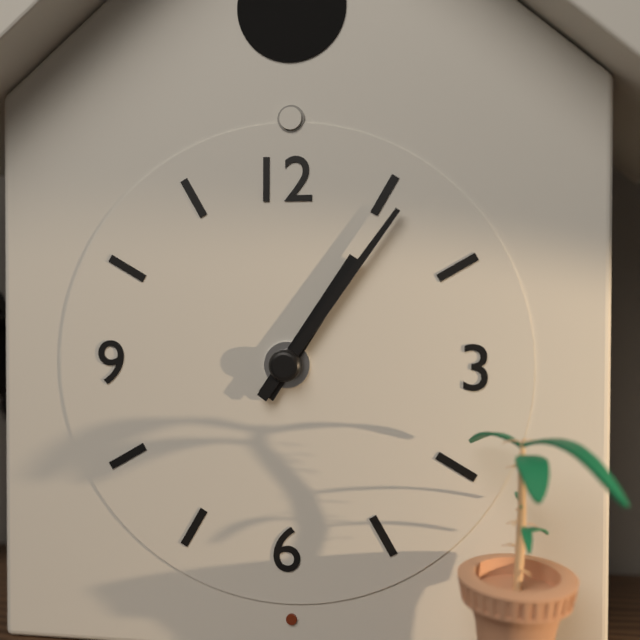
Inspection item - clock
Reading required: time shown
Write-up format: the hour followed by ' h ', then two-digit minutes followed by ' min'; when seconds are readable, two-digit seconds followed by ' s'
1 h 06 min
